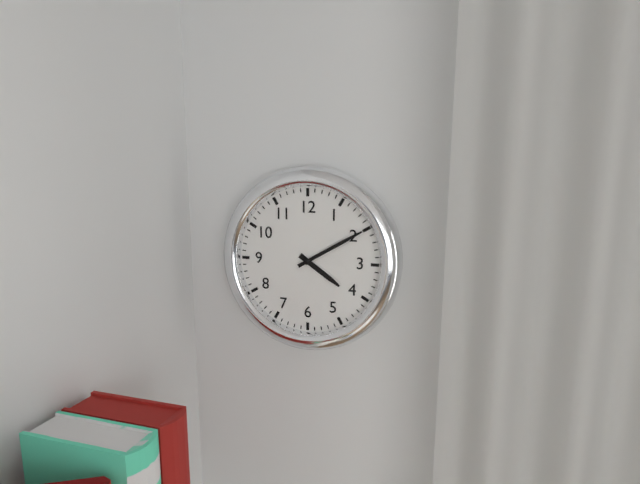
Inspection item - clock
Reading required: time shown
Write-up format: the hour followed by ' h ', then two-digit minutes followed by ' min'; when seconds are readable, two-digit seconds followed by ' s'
4 h 10 min
